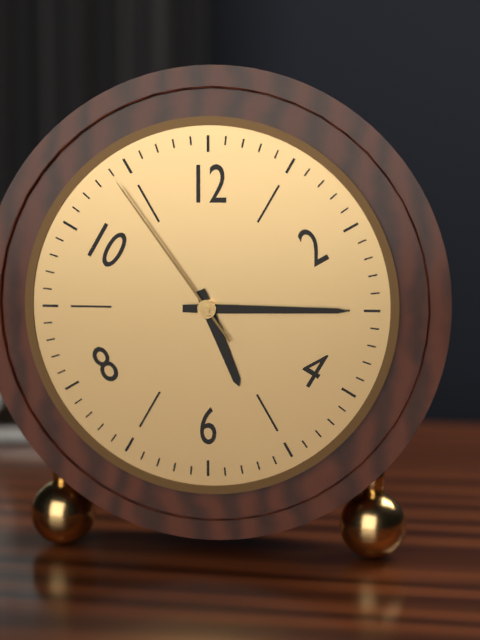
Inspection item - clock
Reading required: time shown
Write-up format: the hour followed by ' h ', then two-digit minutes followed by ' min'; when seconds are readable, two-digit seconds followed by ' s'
5 h 15 min 54 s
